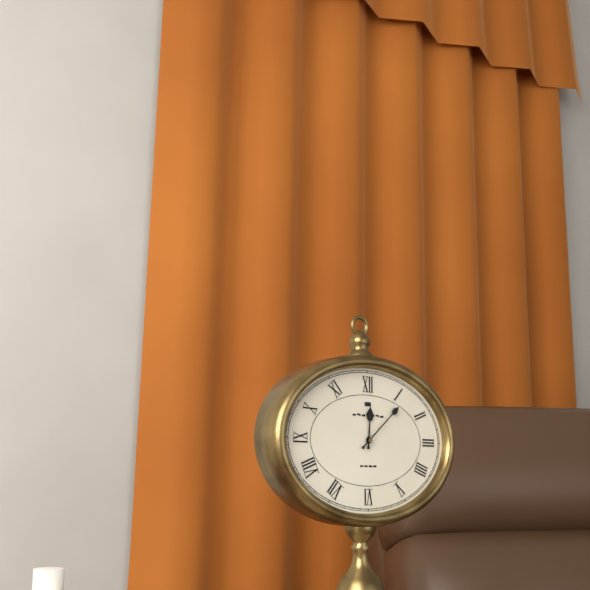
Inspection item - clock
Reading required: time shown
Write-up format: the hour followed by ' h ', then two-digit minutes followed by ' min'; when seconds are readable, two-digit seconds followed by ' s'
12 h 08 min
